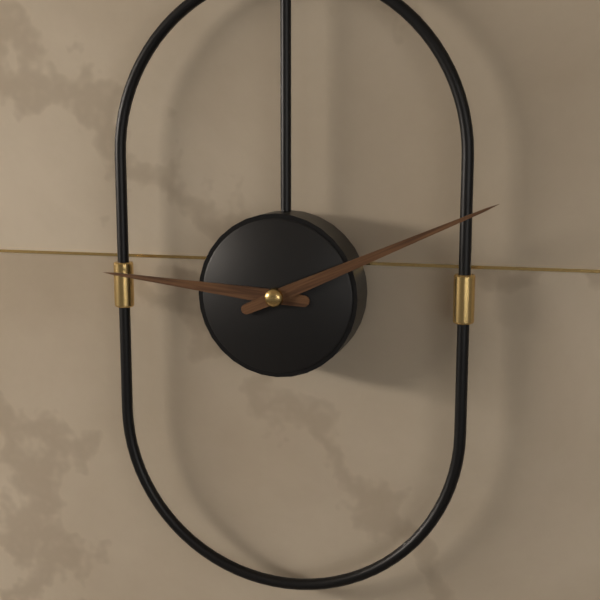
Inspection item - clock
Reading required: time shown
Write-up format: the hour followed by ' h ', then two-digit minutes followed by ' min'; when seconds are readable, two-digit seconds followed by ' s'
9 h 11 min
